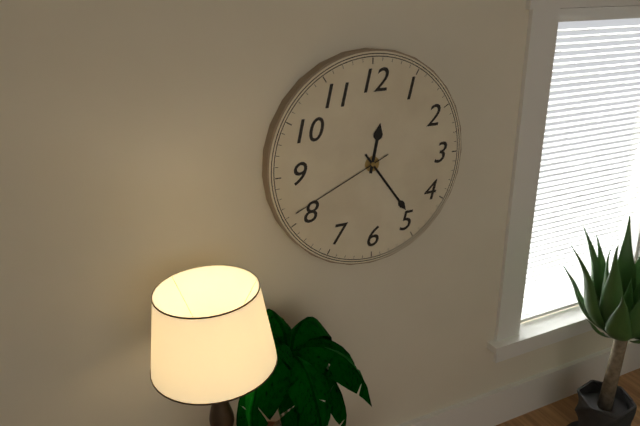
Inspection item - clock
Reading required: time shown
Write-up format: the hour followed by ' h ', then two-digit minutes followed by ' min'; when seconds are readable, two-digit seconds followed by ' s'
12 h 24 min 41 s
